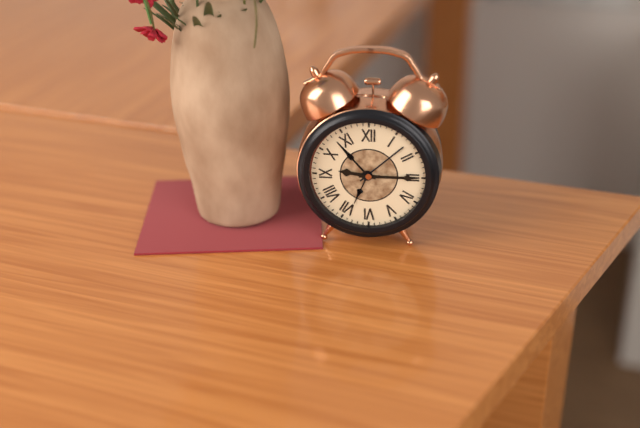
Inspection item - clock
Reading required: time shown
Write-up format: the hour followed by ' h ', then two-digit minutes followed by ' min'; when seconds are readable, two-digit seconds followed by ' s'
9 h 15 min
